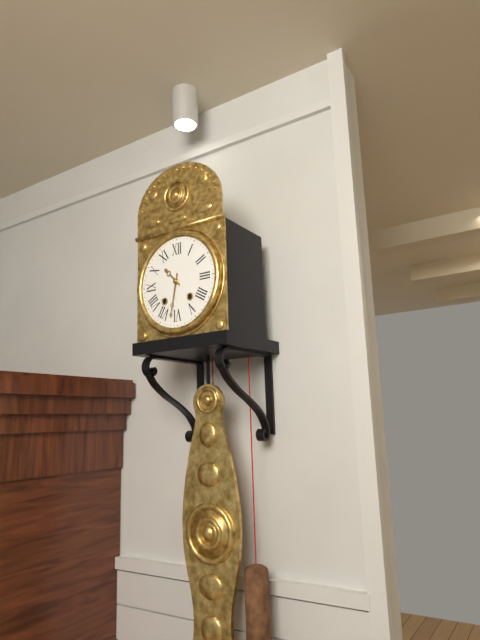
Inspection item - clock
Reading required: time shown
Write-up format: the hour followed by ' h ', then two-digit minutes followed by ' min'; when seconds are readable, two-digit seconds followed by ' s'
10 h 32 min
